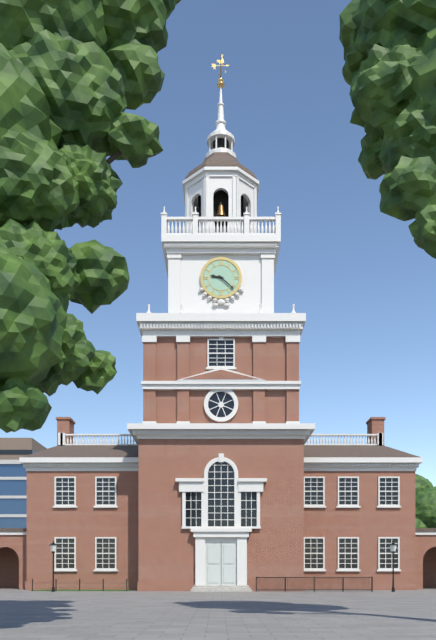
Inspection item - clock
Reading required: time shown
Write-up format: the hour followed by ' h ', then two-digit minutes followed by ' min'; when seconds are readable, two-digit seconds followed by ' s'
9 h 22 min
